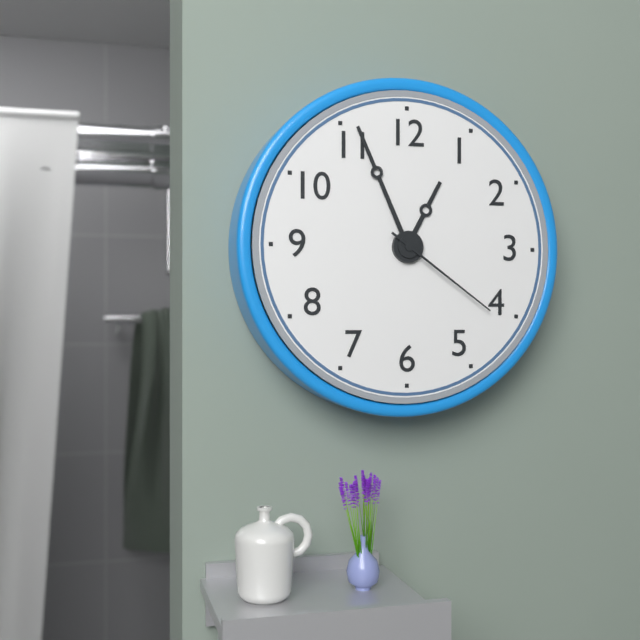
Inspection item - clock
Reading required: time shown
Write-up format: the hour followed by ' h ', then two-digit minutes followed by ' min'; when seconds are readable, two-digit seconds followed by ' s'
12 h 56 min 21 s
